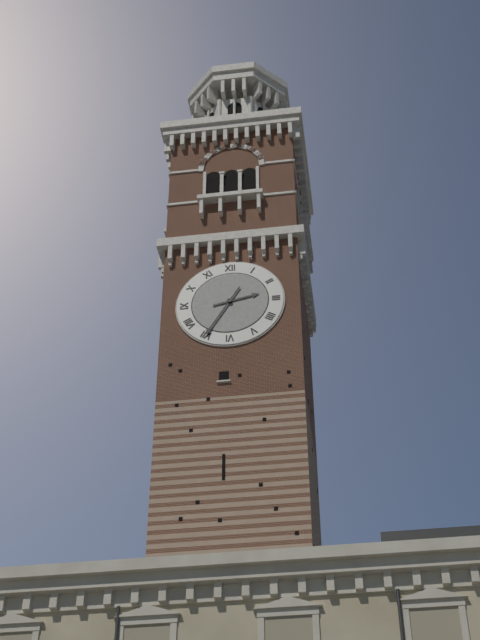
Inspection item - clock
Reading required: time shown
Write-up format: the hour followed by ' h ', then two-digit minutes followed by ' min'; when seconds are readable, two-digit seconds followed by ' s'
2 h 35 min
